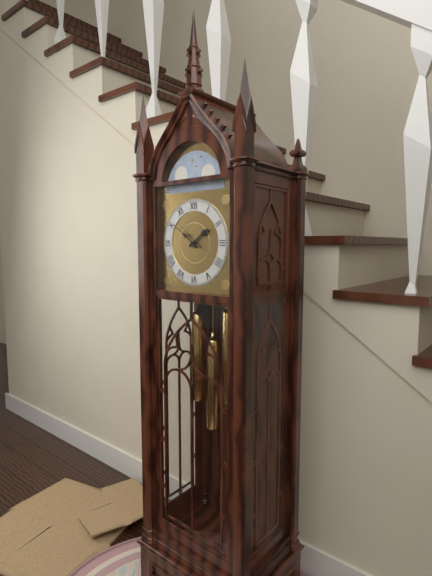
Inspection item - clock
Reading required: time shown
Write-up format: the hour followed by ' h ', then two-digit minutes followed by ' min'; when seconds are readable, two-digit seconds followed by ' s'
1 h 51 min
